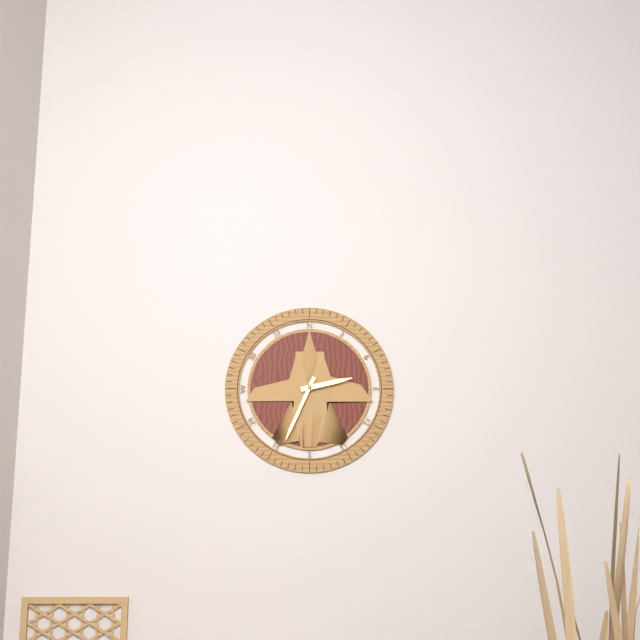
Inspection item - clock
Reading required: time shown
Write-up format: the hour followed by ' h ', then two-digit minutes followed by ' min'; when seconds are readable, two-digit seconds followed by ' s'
2 h 34 min
